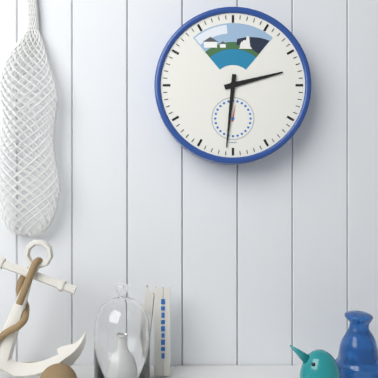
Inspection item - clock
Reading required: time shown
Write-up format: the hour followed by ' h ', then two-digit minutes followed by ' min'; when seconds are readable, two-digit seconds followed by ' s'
2 h 31 min
